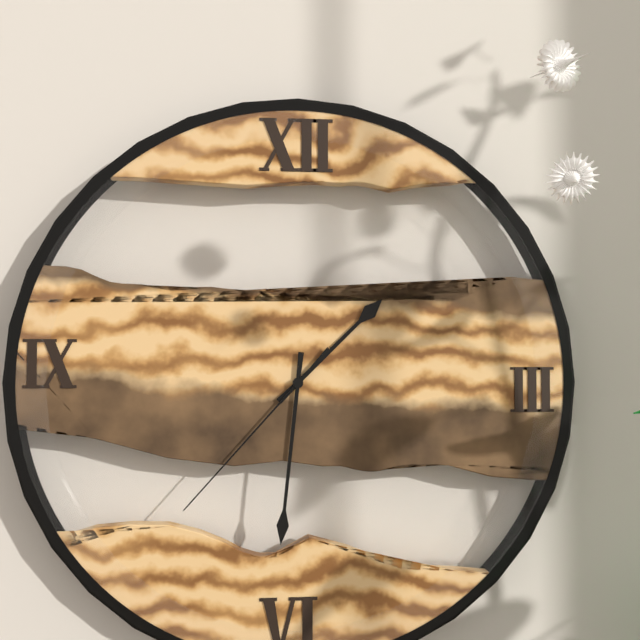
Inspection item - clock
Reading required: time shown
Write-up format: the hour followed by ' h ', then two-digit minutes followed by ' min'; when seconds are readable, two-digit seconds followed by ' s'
1 h 31 min 37 s
